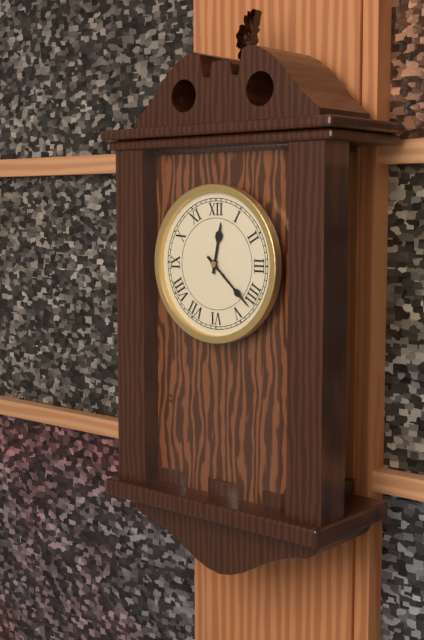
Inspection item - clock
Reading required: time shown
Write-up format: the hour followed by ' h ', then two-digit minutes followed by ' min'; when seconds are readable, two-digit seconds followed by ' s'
12 h 22 min
